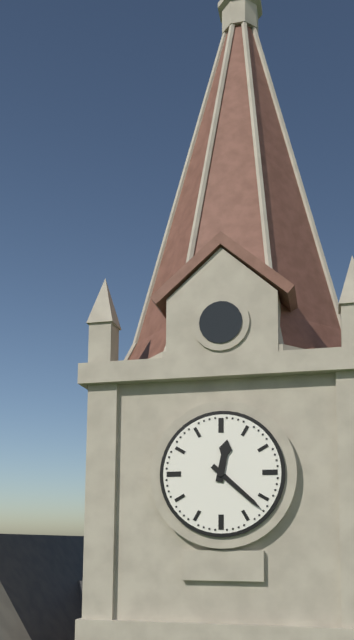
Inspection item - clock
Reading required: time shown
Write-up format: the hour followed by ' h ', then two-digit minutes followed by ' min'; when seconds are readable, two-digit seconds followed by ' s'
12 h 22 min
